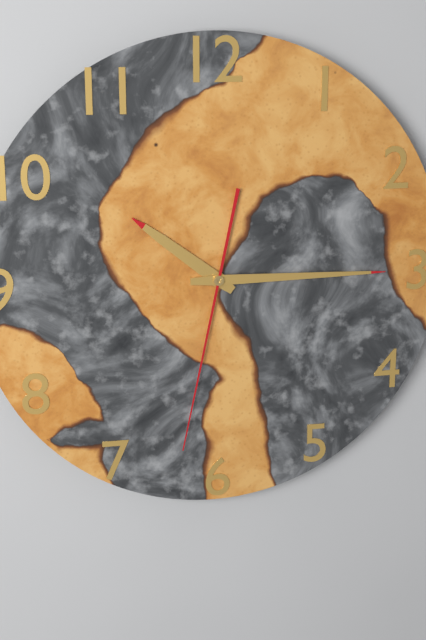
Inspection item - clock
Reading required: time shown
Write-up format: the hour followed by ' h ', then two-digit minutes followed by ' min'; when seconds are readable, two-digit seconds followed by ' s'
10 h 15 min 32 s
